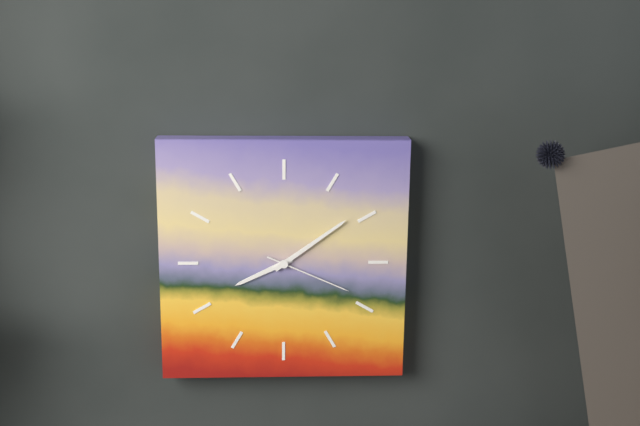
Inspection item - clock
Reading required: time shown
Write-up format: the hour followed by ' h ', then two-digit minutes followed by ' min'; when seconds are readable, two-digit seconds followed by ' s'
8 h 09 min 19 s
